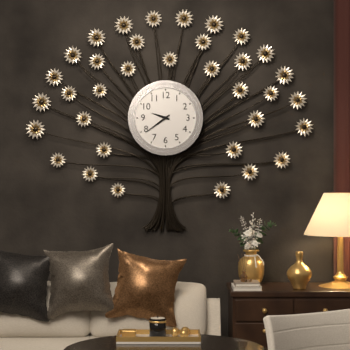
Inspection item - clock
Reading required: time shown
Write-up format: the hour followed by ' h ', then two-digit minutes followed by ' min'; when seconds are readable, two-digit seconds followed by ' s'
9 h 39 min
